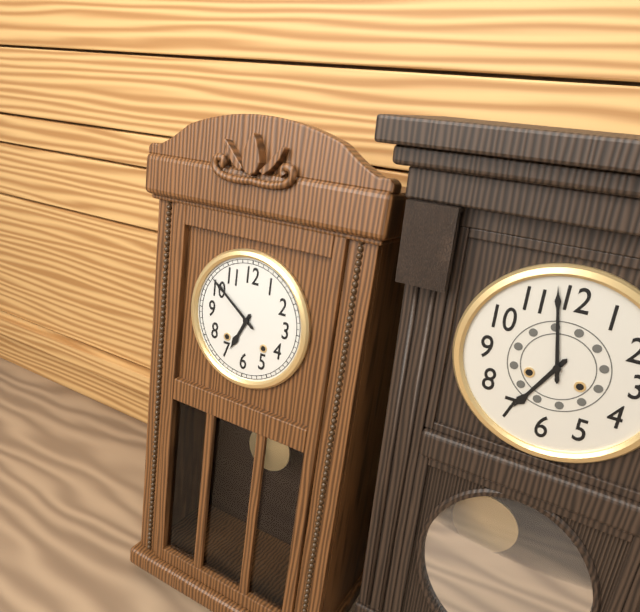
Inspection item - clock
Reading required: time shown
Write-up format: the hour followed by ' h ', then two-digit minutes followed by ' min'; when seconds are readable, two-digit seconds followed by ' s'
6 h 51 min
